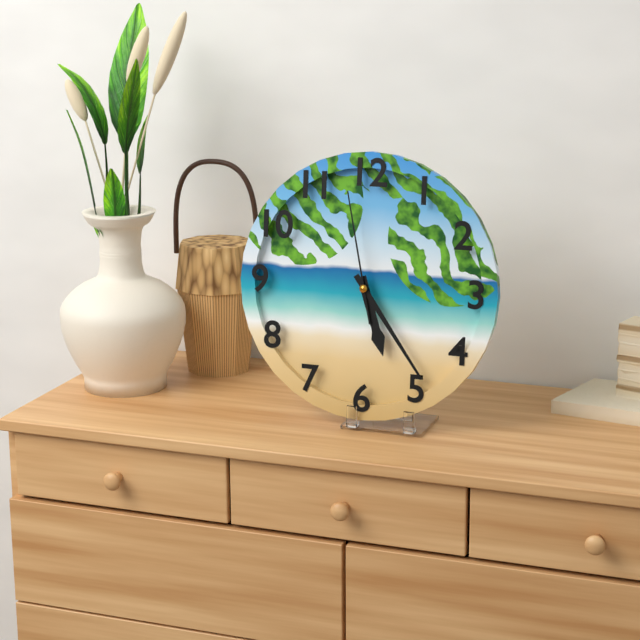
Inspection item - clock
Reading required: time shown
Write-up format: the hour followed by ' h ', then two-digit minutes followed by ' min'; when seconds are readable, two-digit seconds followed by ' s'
5 h 24 min 58 s
